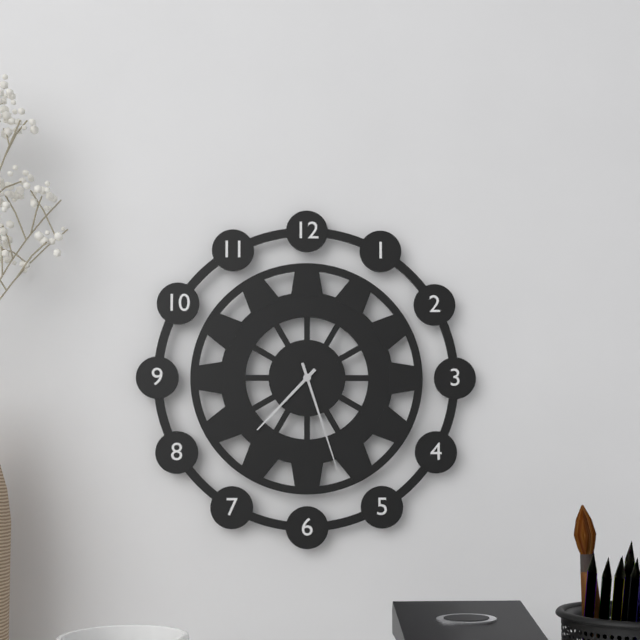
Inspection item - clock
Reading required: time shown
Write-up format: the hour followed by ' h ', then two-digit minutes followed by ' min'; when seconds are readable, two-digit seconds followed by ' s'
7 h 27 min
